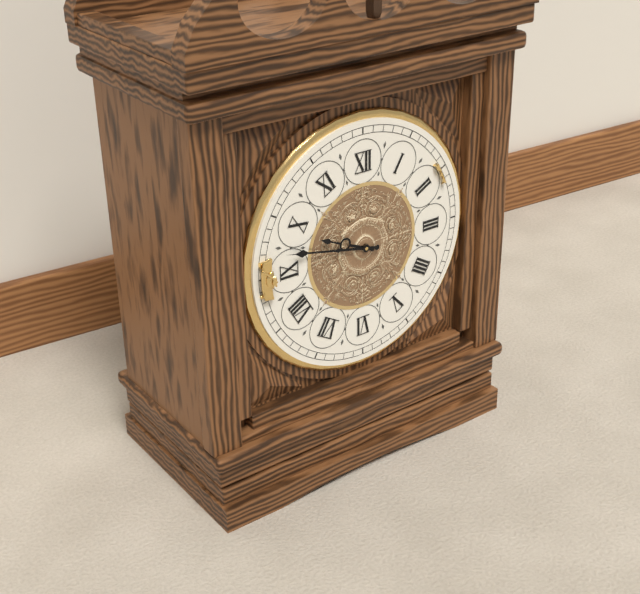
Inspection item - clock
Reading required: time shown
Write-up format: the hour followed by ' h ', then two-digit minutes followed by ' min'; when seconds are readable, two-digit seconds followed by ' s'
9 h 47 min
